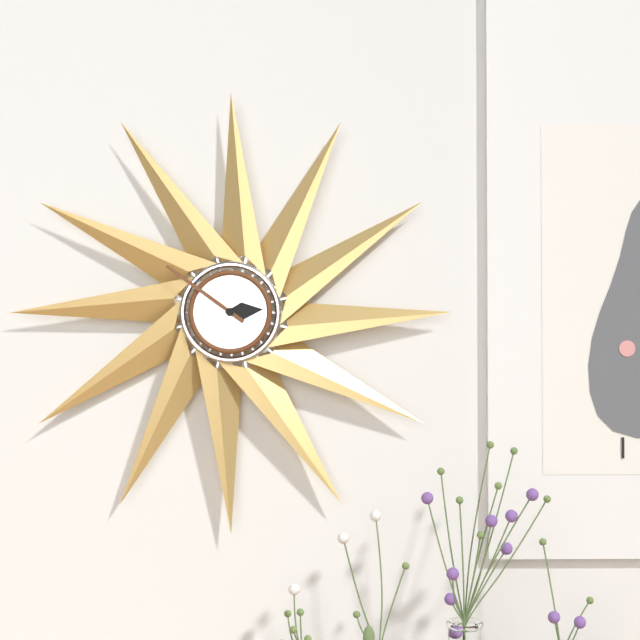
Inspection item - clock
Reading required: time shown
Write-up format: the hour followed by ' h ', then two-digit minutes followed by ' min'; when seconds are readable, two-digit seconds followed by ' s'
2 h 51 min
